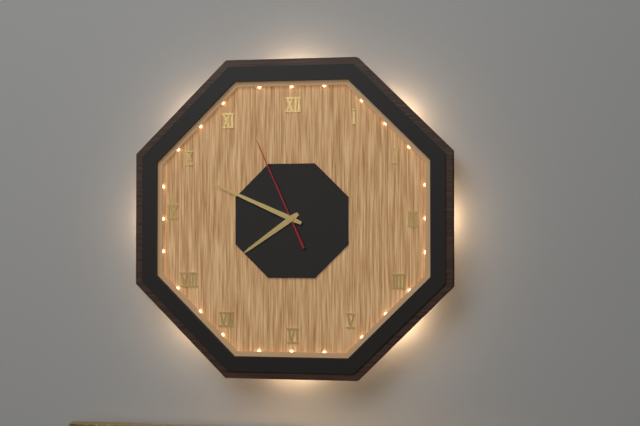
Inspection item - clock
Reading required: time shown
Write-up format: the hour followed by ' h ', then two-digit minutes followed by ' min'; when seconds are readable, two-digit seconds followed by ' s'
7 h 49 min 56 s
